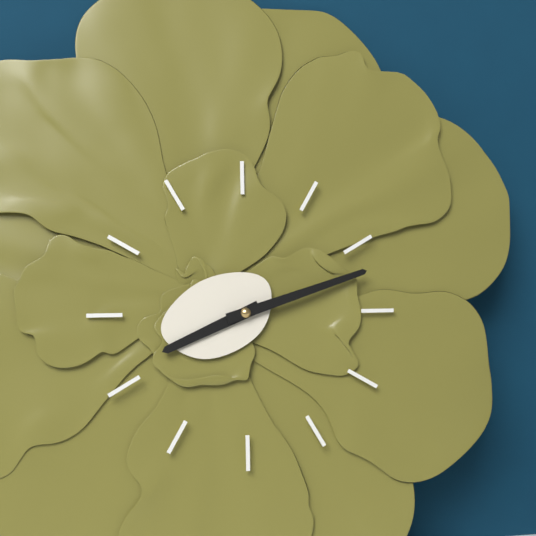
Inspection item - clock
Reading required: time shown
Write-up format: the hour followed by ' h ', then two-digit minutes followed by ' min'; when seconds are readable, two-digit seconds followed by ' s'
8 h 12 min
